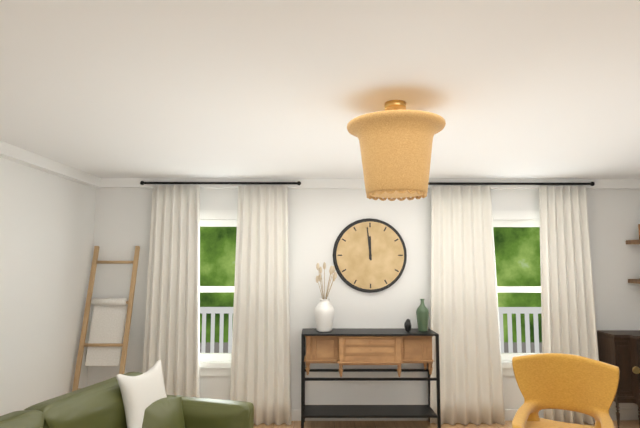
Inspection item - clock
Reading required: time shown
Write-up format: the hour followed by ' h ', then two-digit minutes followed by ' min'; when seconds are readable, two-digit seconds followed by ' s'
11 h 59 min
